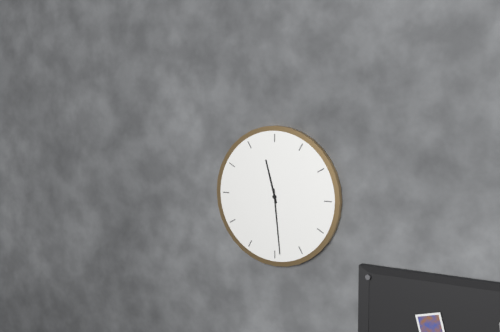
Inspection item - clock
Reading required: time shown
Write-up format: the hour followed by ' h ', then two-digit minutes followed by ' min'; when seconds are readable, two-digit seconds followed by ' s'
11 h 29 min
